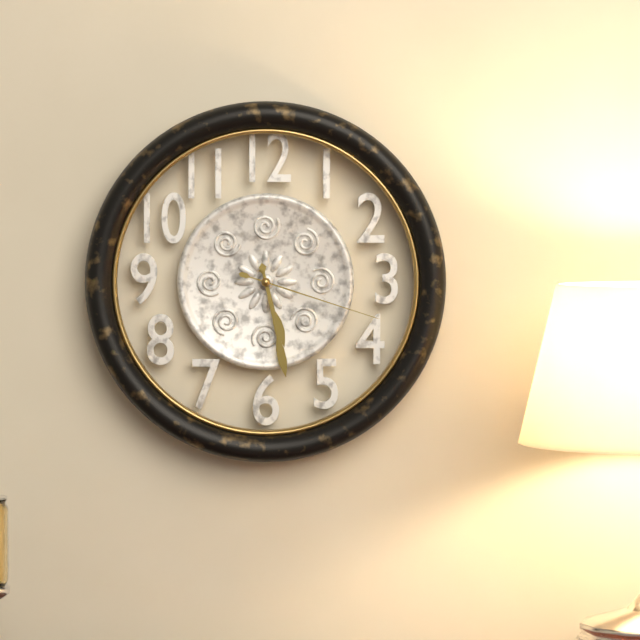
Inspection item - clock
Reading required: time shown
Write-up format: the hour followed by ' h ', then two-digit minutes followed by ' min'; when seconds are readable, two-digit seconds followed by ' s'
5 h 28 min 18 s
